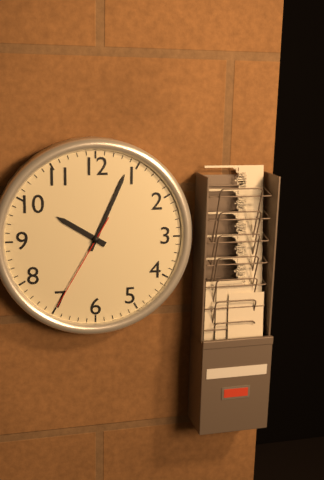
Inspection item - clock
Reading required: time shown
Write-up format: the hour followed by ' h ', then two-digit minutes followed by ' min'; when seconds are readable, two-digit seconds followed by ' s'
10 h 04 min 35 s
